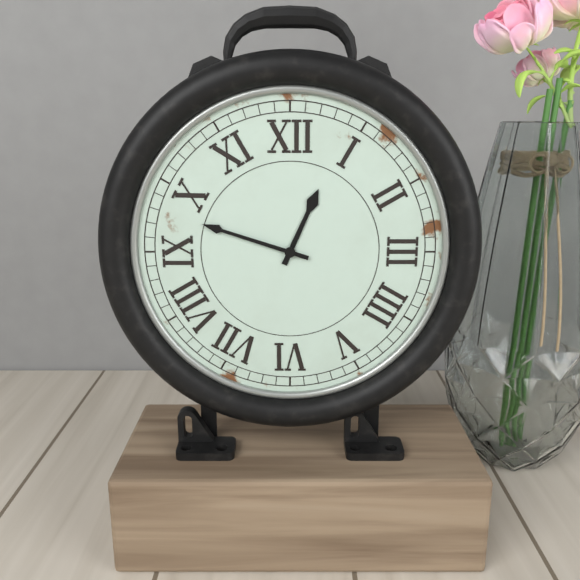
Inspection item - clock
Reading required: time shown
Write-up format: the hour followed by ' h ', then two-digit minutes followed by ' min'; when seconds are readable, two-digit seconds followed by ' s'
12 h 48 min
